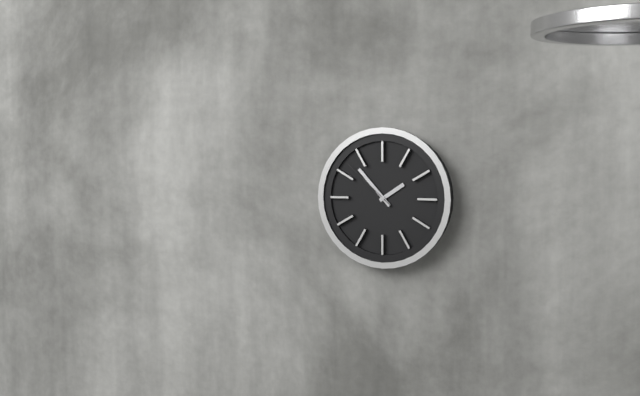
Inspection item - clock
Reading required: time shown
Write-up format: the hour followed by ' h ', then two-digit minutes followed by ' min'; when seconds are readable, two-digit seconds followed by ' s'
1 h 53 min 52 s
